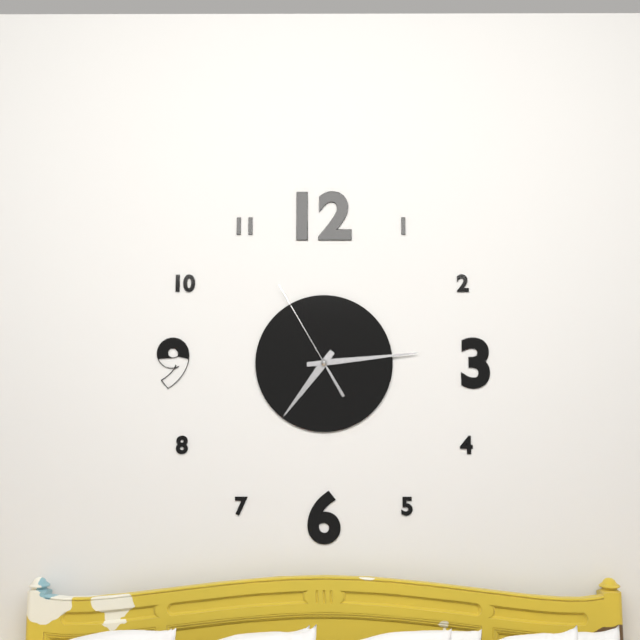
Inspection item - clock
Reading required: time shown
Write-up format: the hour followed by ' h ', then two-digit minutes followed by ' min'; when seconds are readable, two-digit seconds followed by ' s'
7 h 14 min 55 s
